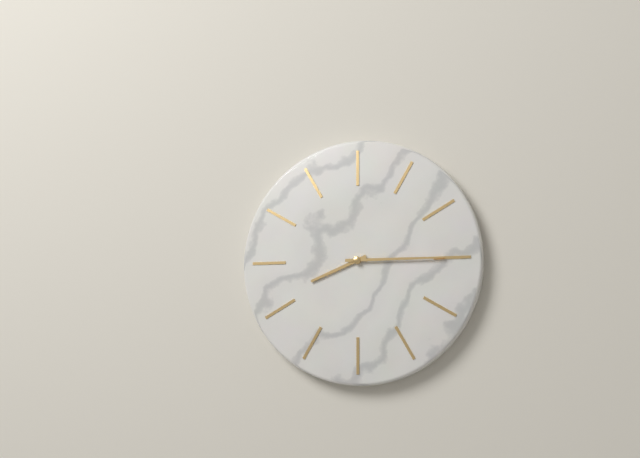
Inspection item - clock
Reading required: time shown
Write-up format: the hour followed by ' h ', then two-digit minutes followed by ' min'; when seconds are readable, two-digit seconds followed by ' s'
8 h 15 min
